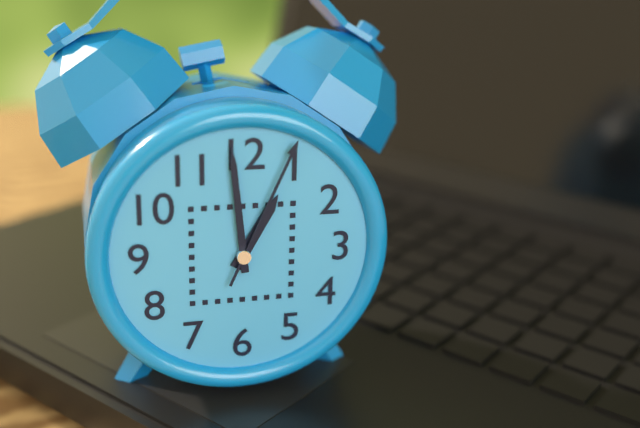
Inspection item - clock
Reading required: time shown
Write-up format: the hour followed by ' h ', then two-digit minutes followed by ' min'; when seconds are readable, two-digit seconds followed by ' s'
12 h 59 min 04 s
